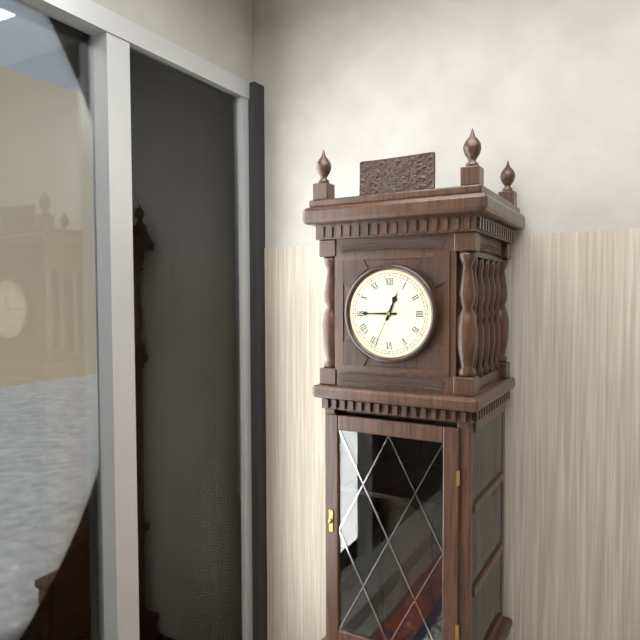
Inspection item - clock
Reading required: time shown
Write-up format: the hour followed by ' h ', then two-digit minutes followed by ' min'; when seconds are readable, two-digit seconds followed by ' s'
12 h 45 min
